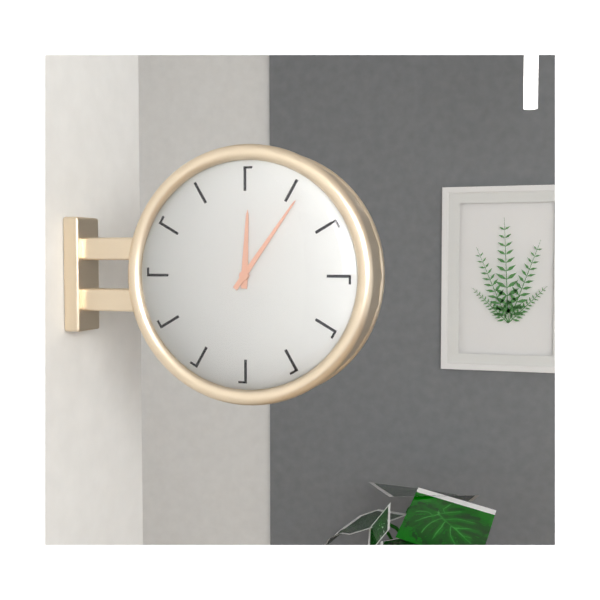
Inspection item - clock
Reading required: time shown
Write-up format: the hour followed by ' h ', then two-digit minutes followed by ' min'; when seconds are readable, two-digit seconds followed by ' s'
12 h 06 min
